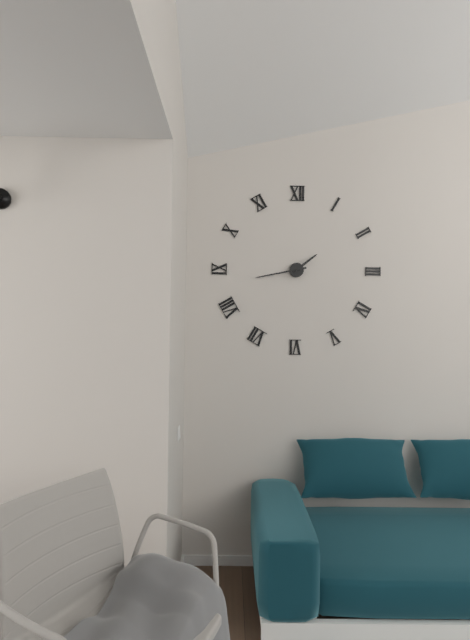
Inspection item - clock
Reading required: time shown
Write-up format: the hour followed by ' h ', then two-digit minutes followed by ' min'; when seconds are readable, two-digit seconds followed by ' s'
1 h 43 min
